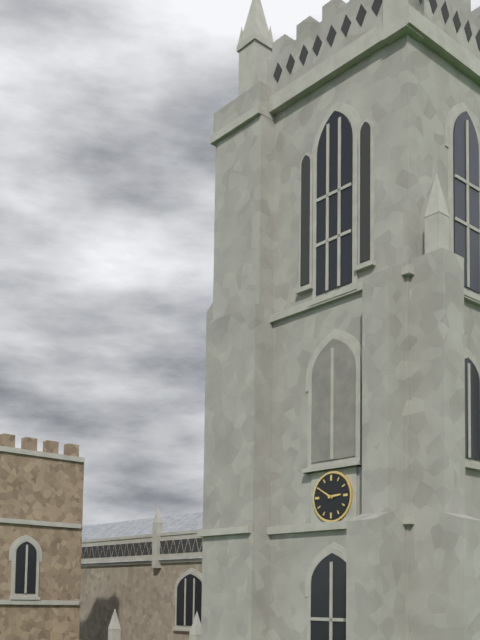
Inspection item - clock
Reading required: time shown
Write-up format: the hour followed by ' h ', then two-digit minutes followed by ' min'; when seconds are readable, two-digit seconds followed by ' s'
2 h 50 min
